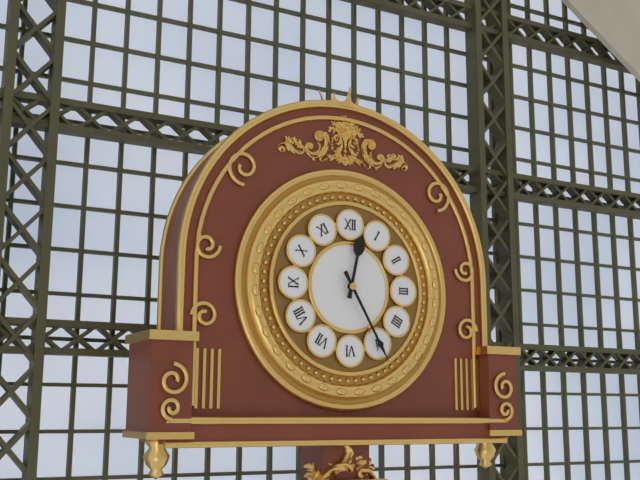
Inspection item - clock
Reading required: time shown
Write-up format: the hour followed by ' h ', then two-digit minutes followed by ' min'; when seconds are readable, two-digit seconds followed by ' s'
12 h 25 min
